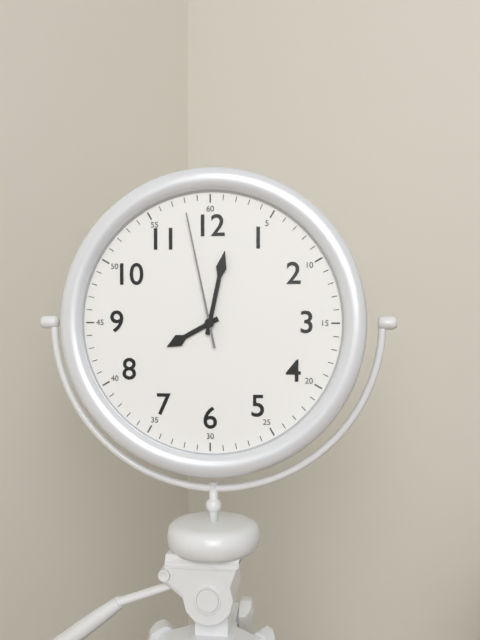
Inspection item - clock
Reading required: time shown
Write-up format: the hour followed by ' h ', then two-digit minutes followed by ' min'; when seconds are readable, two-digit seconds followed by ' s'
8 h 02 min 58 s
